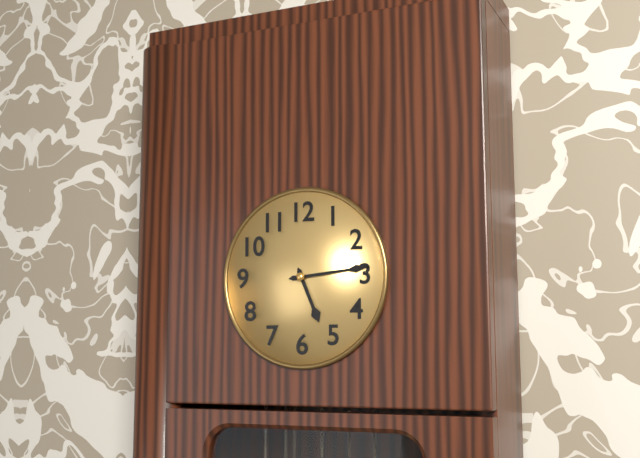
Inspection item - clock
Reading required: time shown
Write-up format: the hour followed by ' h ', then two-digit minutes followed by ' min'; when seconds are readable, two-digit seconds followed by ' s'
5 h 14 min
